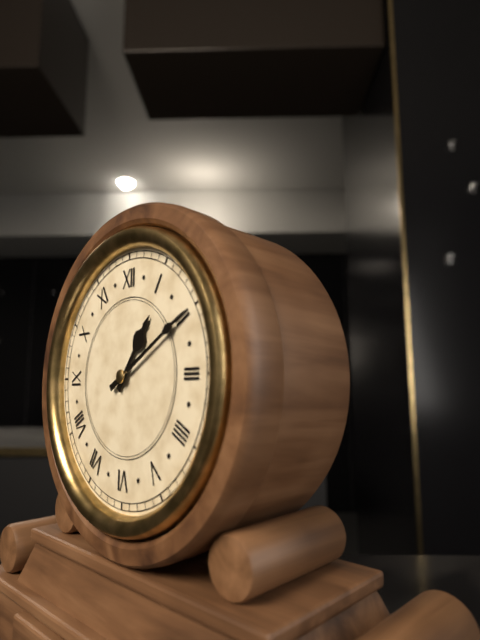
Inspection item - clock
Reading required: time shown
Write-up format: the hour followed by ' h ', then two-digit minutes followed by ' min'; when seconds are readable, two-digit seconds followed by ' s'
1 h 10 min
